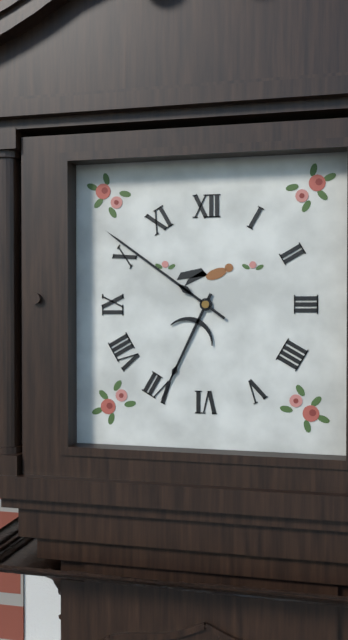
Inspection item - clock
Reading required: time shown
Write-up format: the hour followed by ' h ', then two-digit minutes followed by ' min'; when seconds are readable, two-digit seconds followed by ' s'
6 h 51 min
